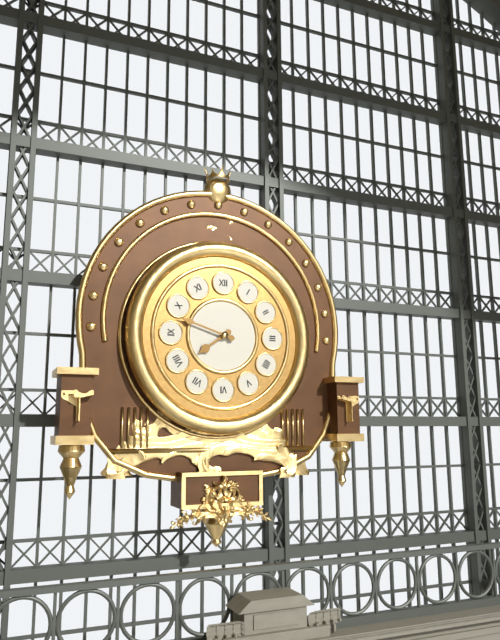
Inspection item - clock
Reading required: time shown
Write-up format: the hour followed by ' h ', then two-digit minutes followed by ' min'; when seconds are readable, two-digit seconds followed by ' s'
7 h 48 min
